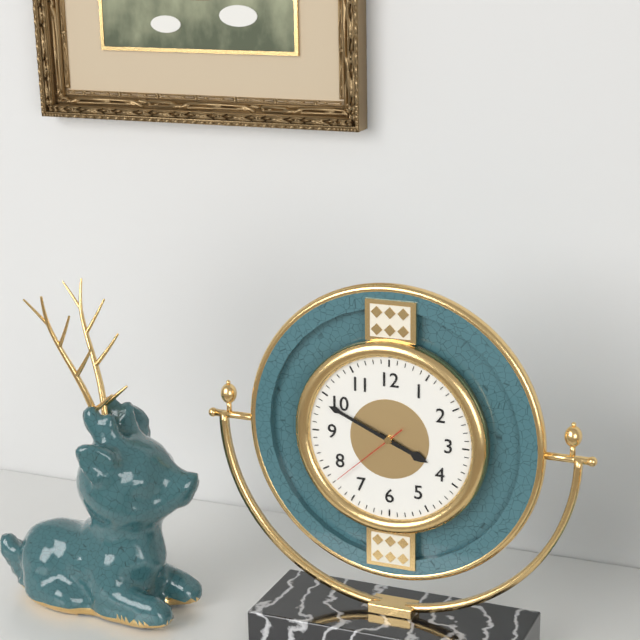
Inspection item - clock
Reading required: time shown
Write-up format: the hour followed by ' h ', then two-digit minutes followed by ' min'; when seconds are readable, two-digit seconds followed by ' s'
3 h 49 min 38 s
